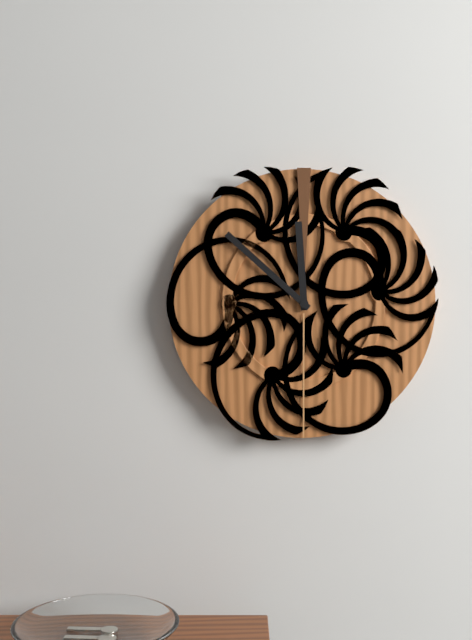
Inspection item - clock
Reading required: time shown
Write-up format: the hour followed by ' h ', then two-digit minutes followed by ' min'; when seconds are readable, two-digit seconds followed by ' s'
11 h 52 min
